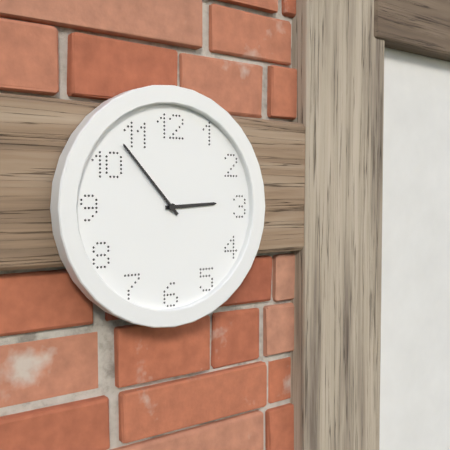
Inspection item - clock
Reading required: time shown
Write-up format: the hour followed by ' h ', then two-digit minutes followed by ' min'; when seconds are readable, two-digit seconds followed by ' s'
2 h 53 min
